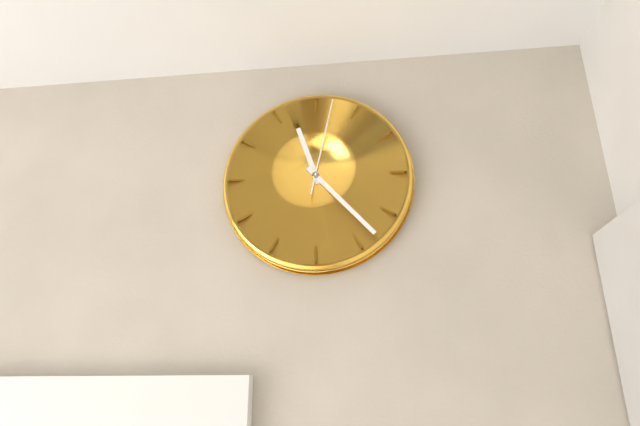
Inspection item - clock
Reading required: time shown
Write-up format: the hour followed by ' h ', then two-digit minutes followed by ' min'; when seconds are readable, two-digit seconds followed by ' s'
11 h 23 min 02 s
